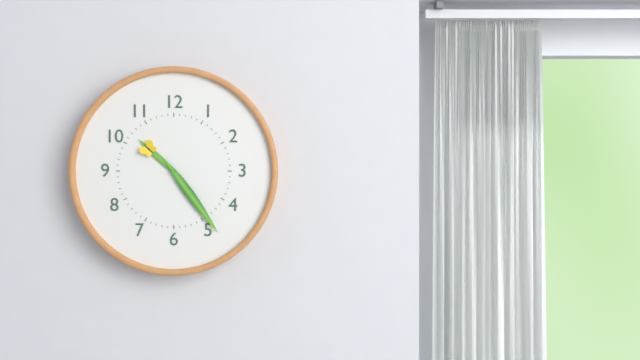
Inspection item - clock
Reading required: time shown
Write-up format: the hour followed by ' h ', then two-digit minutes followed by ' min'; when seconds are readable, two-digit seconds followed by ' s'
10 h 24 min
